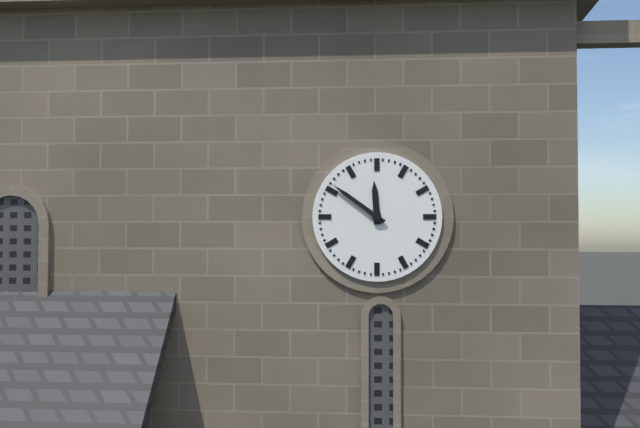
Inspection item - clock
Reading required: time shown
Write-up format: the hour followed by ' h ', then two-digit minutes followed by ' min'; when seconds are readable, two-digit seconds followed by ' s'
11 h 51 min
